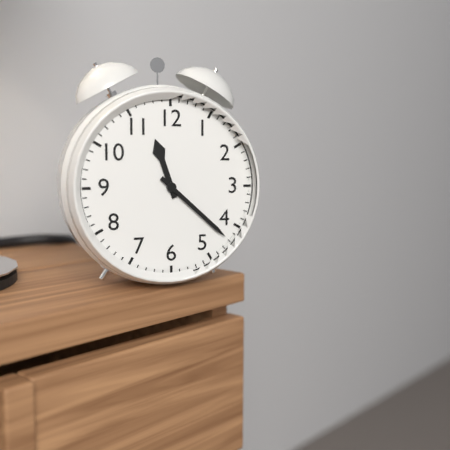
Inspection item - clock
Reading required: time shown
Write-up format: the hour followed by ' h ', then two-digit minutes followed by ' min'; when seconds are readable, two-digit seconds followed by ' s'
11 h 22 min
